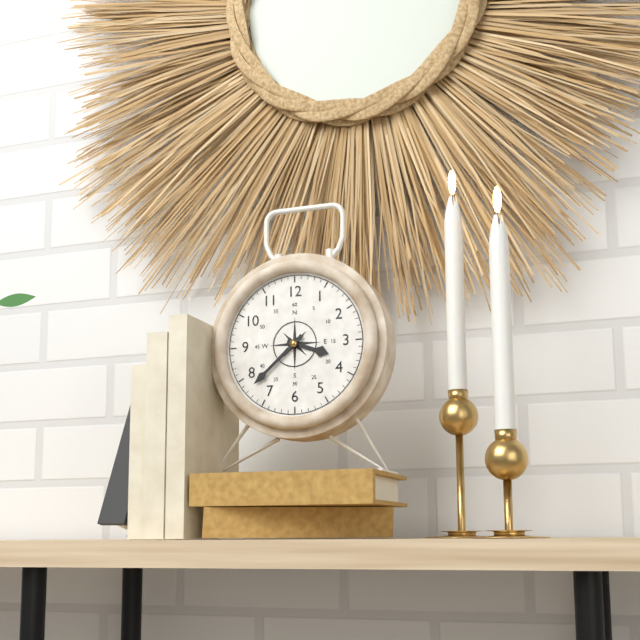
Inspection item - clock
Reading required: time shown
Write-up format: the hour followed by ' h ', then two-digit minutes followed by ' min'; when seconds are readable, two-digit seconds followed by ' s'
3 h 38 min
